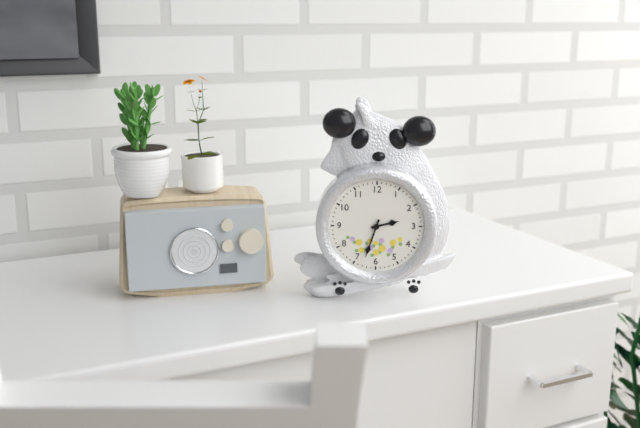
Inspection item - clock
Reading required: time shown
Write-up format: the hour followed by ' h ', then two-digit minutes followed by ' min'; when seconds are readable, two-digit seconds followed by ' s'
2 h 33 min
